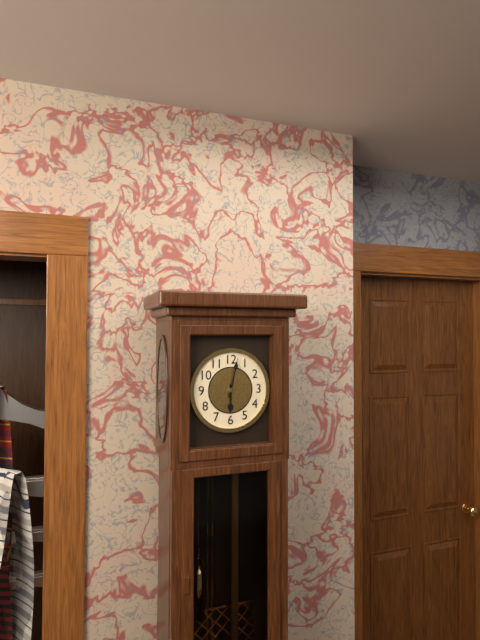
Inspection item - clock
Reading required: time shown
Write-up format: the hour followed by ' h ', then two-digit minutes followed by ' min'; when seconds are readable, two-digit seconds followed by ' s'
6 h 02 min
